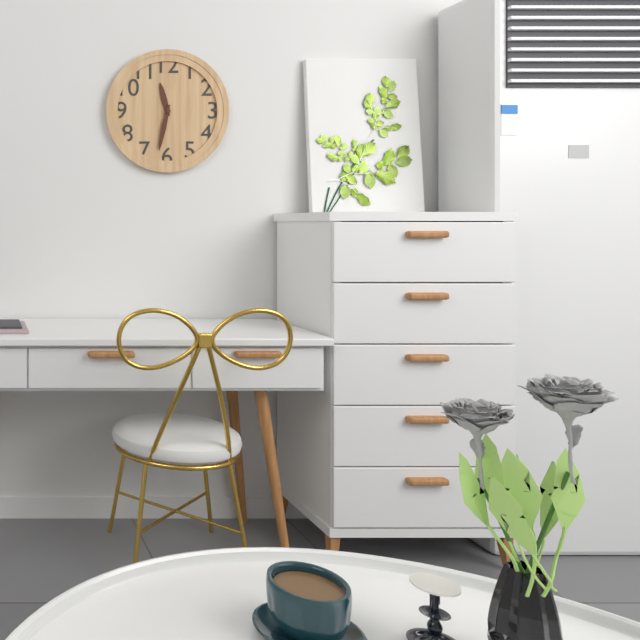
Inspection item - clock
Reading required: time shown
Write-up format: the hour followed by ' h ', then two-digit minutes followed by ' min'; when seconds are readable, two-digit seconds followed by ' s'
11 h 32 min
